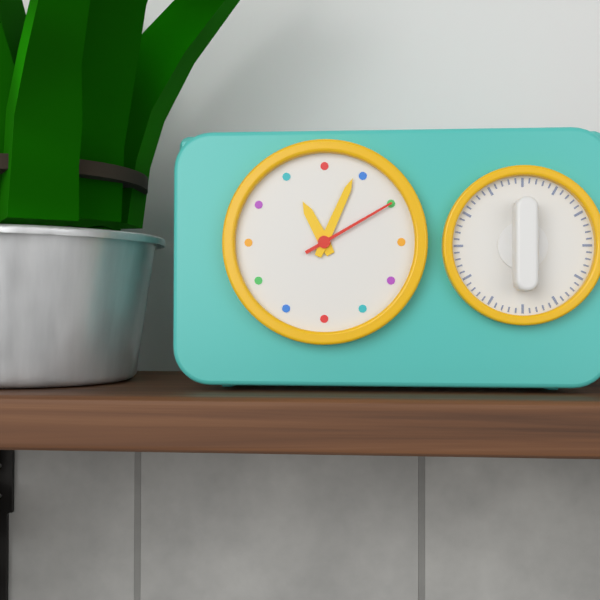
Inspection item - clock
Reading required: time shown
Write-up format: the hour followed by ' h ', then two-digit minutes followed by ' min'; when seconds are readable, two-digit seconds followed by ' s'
11 h 04 min 10 s
